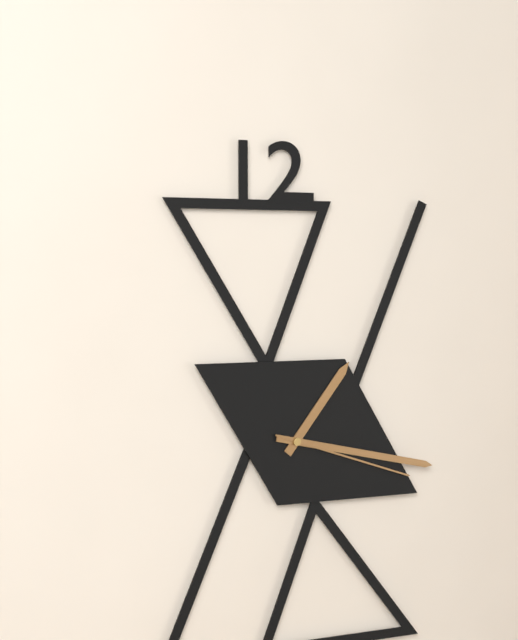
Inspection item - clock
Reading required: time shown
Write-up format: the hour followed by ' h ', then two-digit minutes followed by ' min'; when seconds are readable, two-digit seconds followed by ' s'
1 h 17 min 18 s
